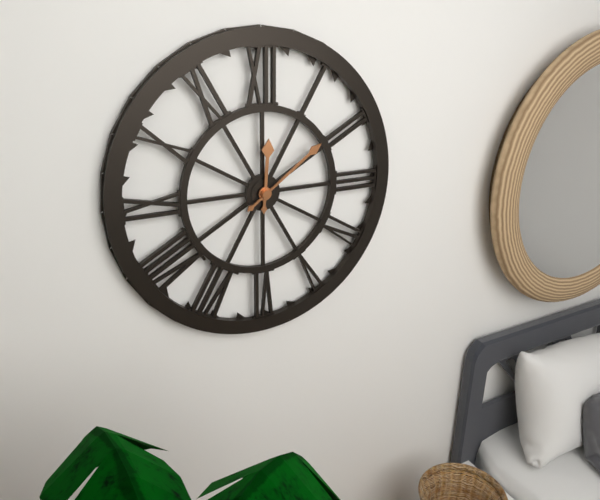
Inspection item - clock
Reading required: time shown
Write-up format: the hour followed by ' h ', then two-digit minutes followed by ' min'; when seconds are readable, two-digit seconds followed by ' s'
12 h 09 min
